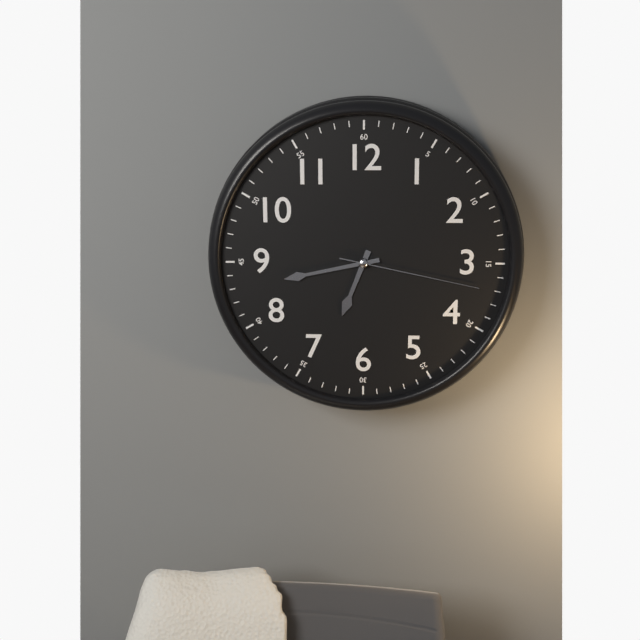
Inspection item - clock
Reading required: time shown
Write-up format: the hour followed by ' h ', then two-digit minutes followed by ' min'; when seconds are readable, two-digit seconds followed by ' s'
6 h 43 min 17 s
